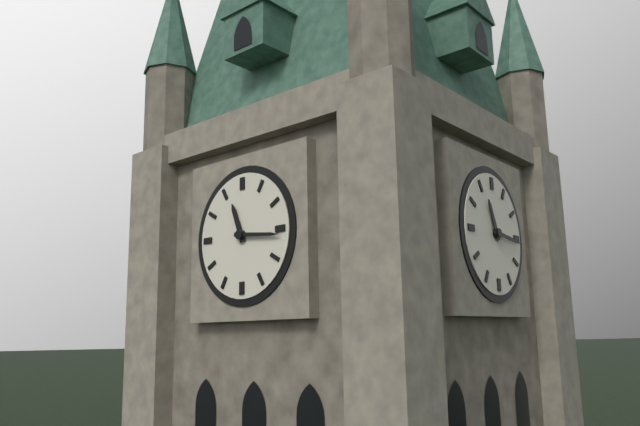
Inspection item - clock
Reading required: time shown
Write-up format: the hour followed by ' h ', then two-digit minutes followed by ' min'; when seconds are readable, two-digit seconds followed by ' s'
11 h 16 min
